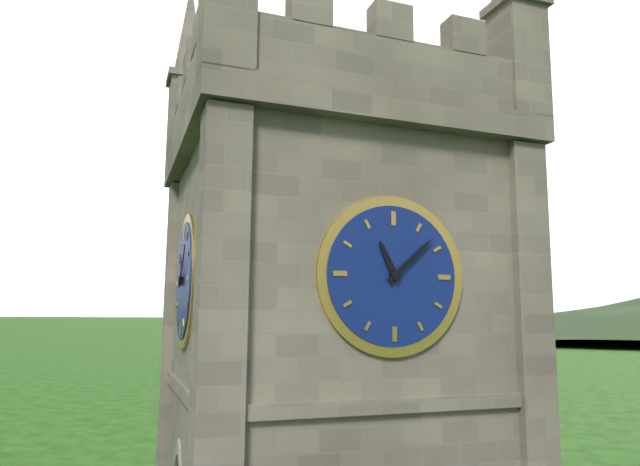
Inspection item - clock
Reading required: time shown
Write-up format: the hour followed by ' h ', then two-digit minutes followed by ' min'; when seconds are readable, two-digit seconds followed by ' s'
11 h 08 min
